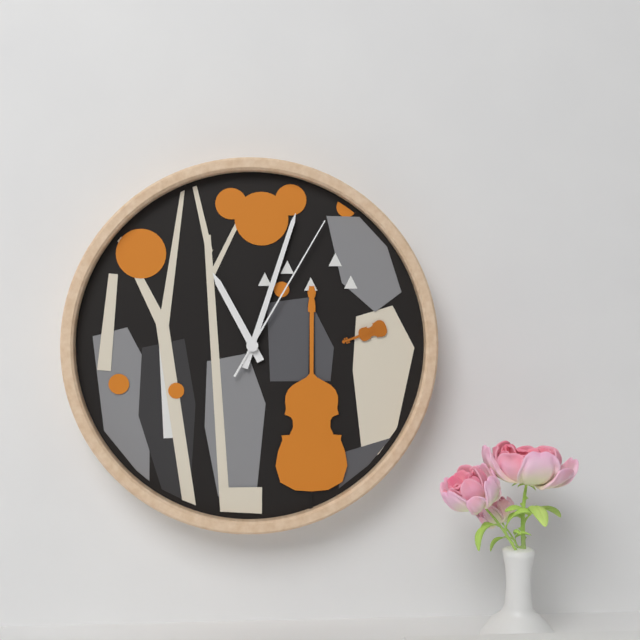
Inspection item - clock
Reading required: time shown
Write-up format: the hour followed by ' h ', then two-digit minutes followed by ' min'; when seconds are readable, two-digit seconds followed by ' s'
11 h 03 min 05 s
